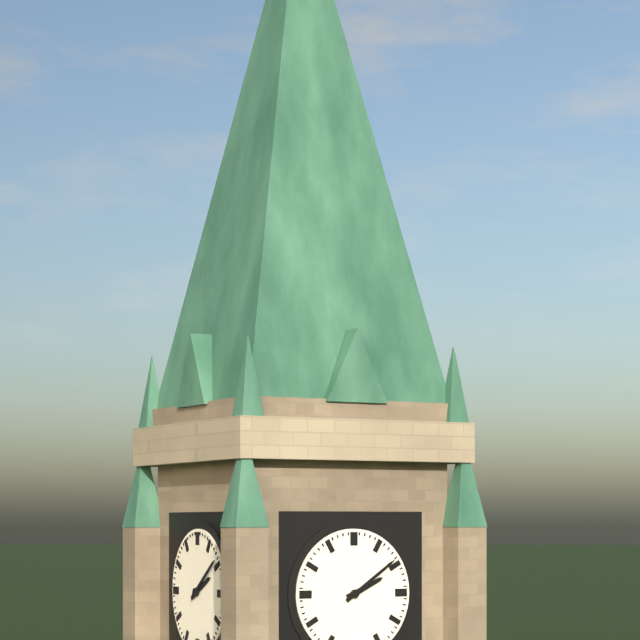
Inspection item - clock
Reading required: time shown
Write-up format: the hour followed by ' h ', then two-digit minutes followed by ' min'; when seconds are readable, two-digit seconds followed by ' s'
2 h 09 min
